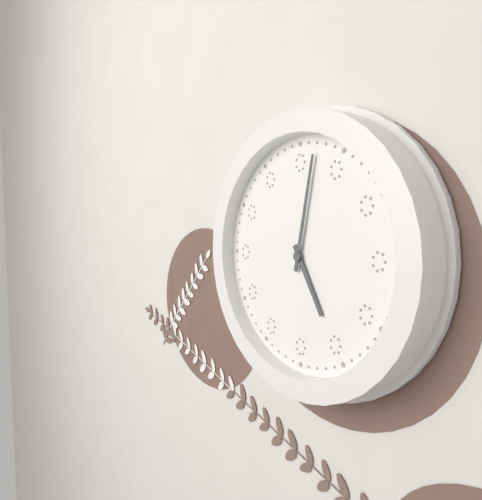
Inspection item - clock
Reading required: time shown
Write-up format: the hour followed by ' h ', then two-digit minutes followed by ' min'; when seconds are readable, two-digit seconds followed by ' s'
5 h 02 min
